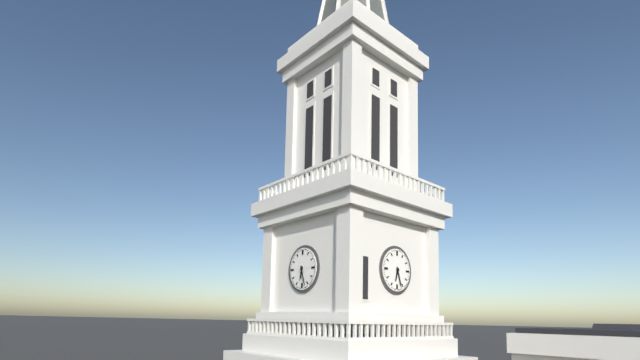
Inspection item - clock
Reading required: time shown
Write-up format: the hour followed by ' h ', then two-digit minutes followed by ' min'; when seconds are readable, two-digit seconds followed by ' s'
6 h 27 min
